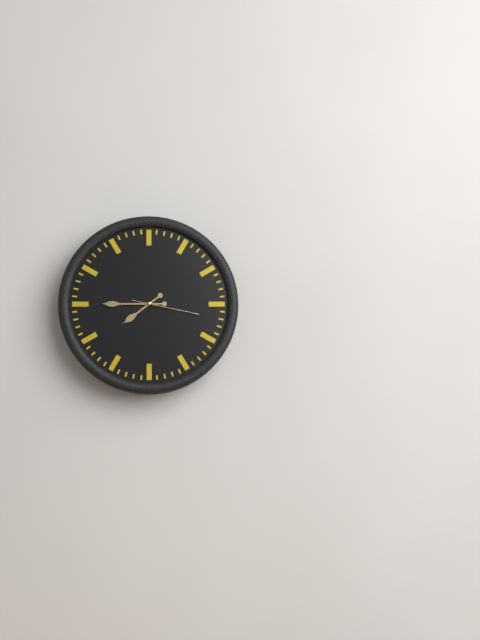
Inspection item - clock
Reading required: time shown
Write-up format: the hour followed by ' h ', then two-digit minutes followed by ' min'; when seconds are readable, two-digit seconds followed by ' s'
7 h 45 min 17 s
